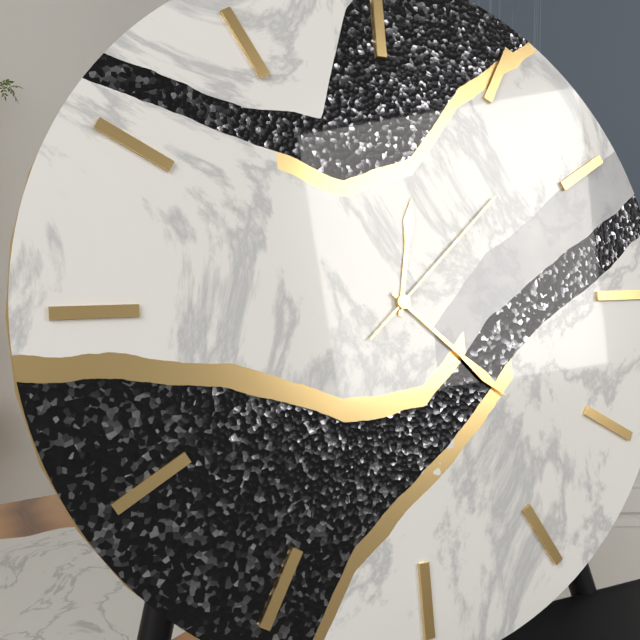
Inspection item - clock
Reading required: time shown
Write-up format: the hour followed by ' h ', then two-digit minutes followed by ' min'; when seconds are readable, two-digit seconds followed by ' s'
12 h 22 min 08 s
